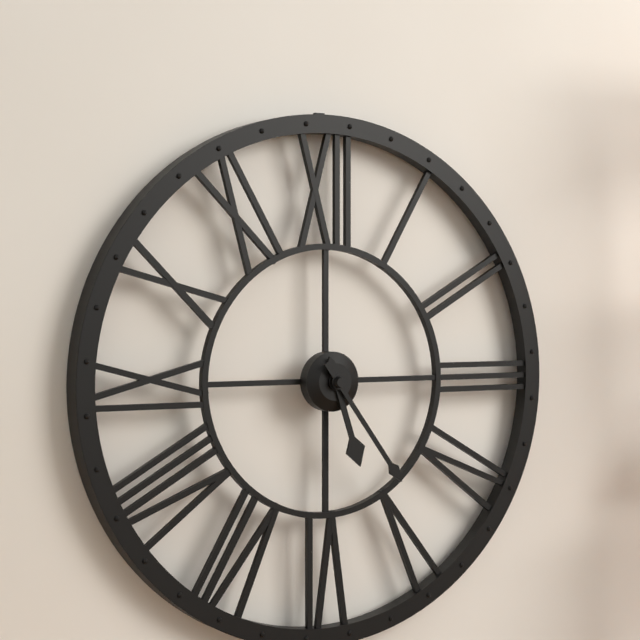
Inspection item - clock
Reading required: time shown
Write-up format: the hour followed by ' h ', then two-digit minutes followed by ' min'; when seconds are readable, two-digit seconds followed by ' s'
5 h 24 min
